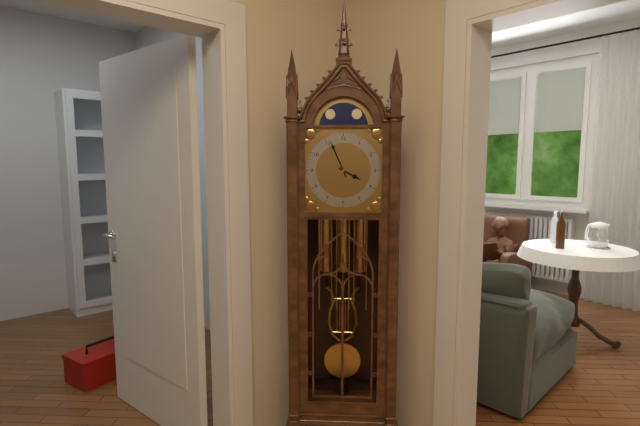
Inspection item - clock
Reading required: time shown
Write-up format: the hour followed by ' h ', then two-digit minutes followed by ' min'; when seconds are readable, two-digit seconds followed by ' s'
3 h 56 min
